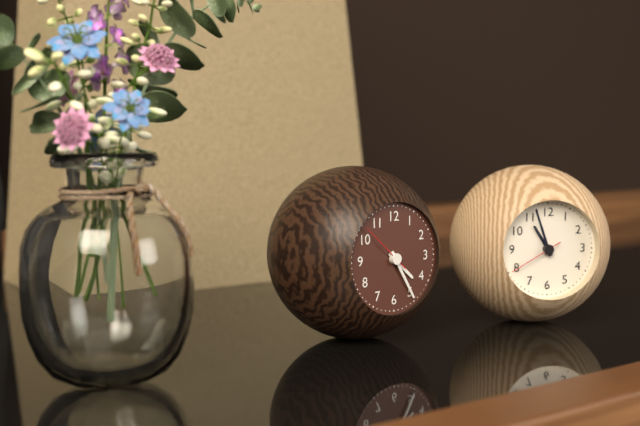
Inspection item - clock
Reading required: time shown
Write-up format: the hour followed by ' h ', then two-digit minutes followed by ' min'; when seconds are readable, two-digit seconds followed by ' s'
4 h 25 min 52 s
